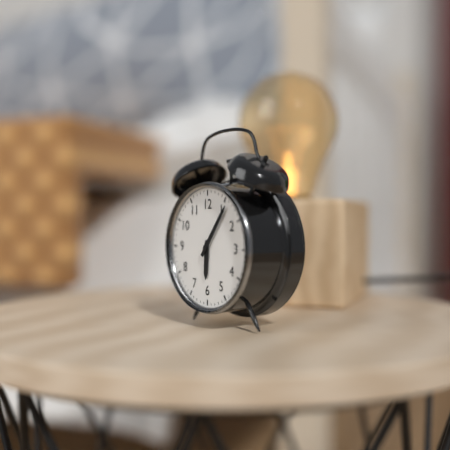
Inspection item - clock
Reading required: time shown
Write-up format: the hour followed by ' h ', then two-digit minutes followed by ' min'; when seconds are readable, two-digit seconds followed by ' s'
6 h 06 min
